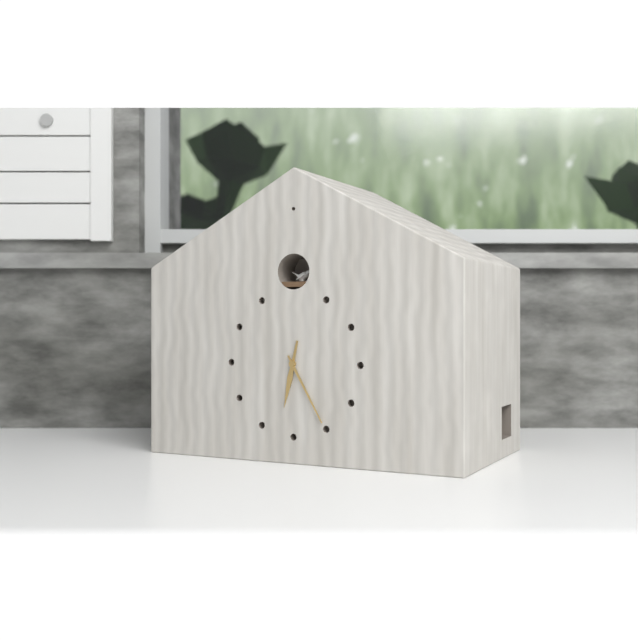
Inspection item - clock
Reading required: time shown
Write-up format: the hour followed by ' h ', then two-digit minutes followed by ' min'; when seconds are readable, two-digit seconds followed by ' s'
6 h 25 min
